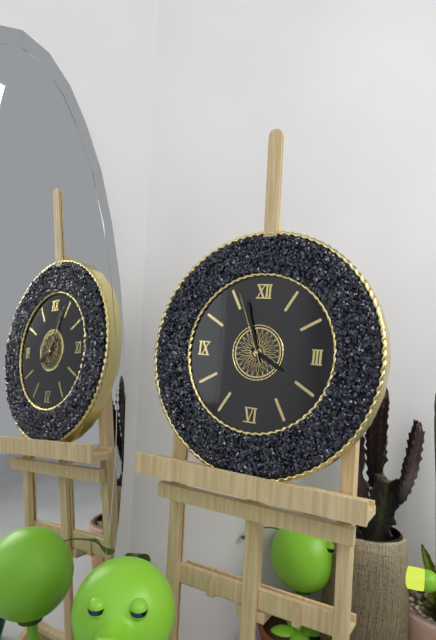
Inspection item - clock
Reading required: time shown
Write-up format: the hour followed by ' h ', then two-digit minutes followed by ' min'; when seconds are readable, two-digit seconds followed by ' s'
3 h 57 min 56 s
